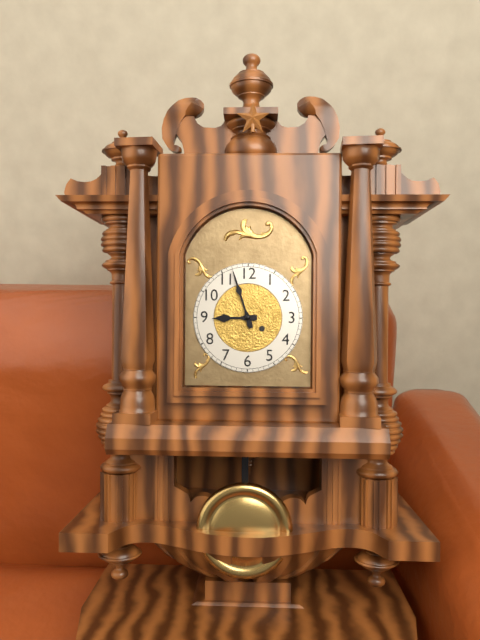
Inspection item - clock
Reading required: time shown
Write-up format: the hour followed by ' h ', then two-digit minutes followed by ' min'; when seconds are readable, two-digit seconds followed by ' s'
8 h 57 min
